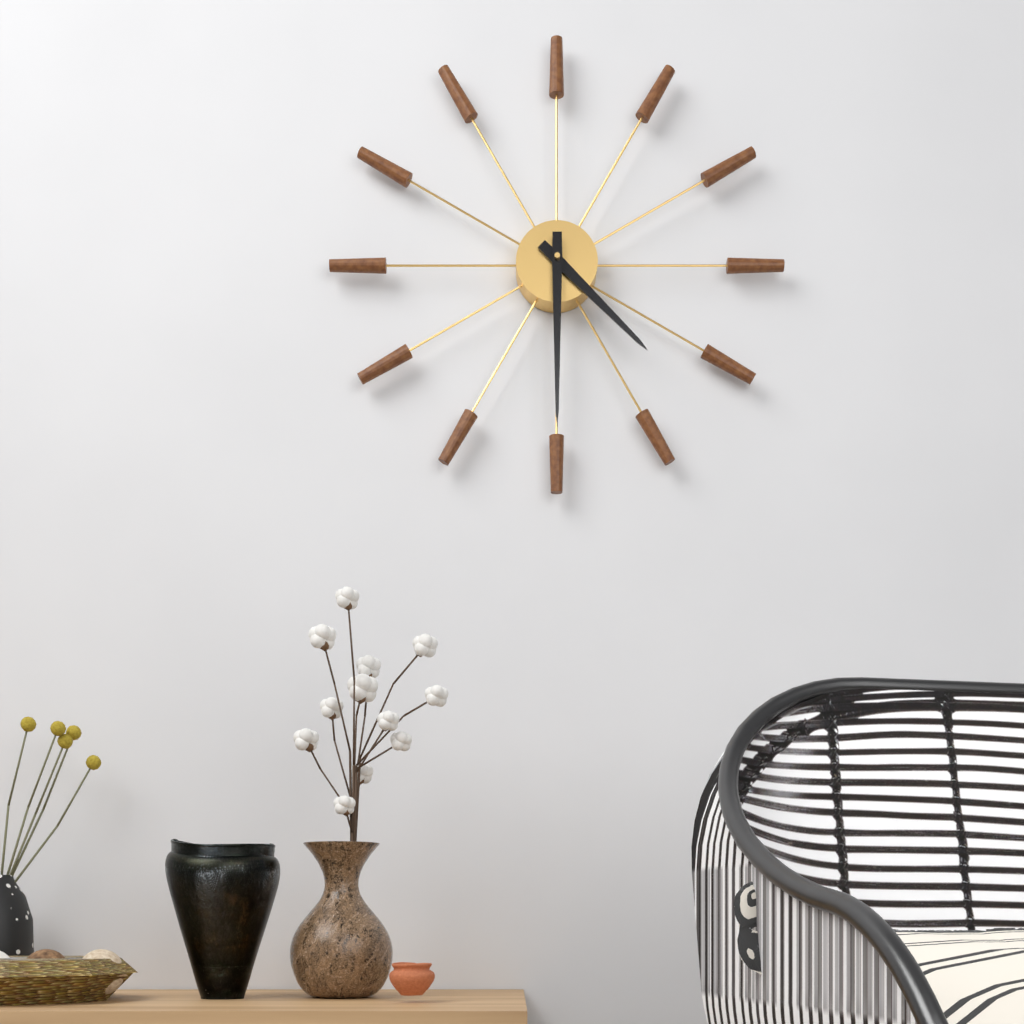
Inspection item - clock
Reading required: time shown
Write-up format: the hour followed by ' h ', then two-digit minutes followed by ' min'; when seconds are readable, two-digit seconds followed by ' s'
4 h 30 min
